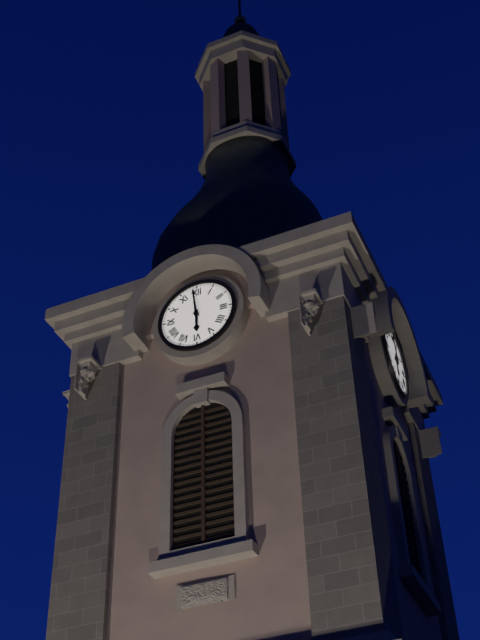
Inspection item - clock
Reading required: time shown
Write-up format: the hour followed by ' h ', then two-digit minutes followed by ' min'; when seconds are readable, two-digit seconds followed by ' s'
5 h 59 min
